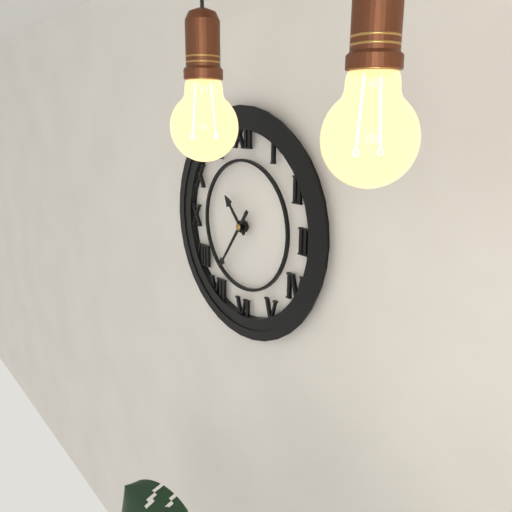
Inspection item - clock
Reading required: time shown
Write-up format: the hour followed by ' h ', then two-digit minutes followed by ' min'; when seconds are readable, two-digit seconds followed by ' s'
10 h 36 min
